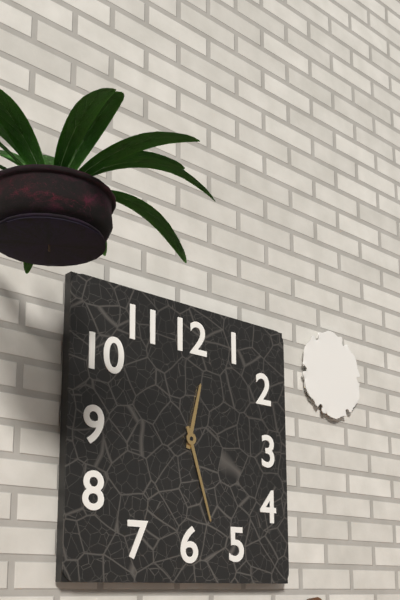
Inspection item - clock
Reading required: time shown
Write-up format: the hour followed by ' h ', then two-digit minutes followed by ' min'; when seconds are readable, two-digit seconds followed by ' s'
12 h 27 min
